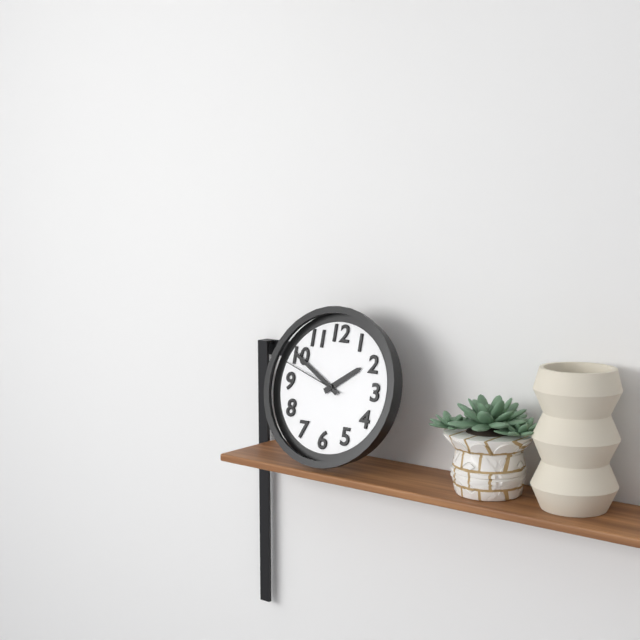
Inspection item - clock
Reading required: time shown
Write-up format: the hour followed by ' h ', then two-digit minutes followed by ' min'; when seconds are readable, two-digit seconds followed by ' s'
1 h 50 min 48 s
